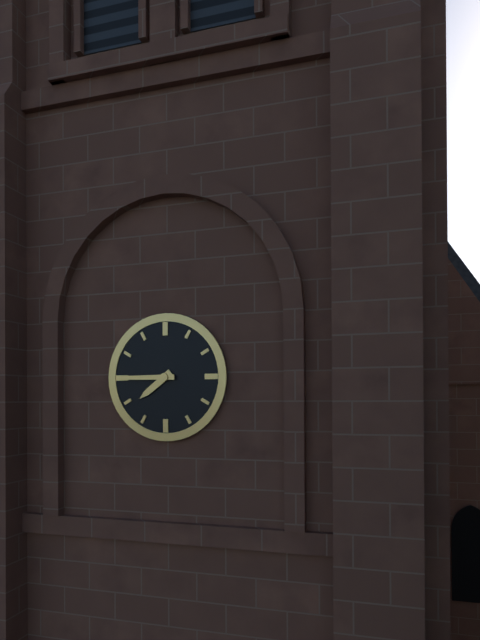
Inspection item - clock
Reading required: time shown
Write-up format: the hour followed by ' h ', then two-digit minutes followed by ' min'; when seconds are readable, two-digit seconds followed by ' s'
7 h 45 min
